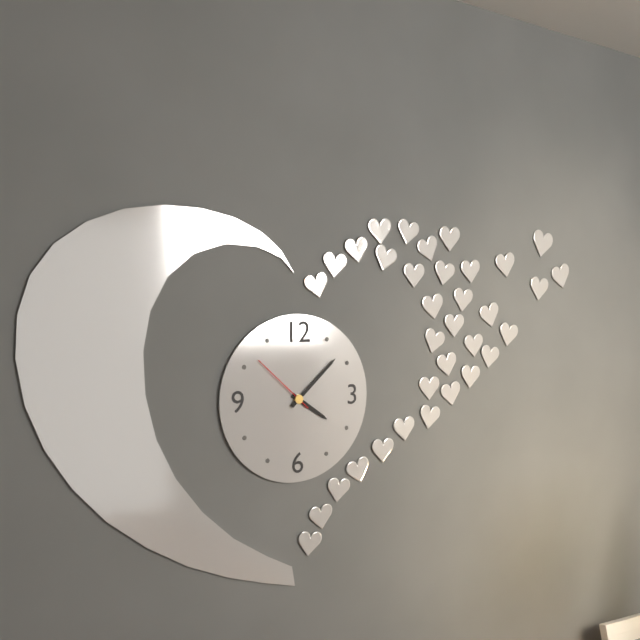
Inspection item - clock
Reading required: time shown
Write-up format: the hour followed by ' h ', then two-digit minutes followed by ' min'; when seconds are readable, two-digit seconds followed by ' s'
4 h 08 min 52 s
